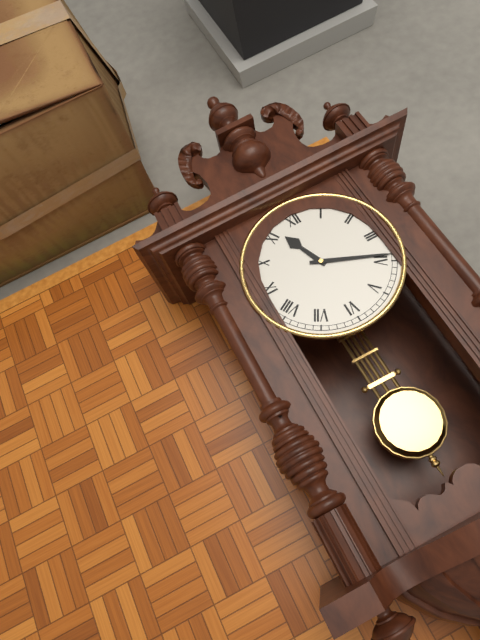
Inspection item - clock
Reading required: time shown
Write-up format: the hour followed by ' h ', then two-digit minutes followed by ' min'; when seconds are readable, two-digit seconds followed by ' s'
11 h 19 min
